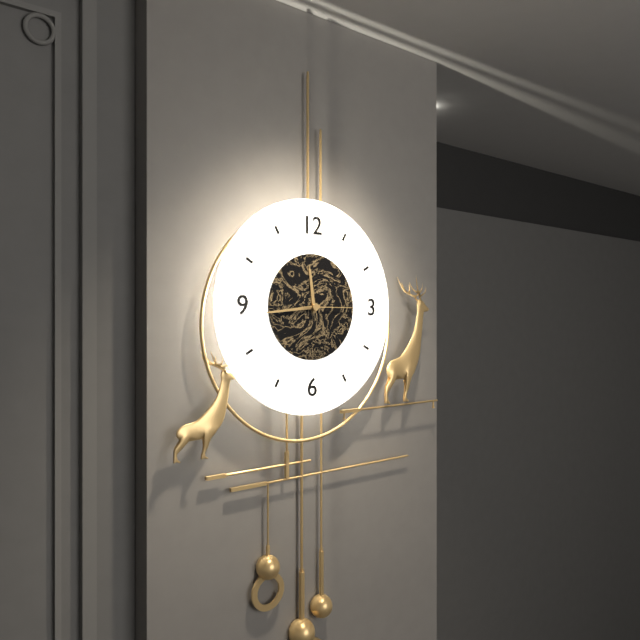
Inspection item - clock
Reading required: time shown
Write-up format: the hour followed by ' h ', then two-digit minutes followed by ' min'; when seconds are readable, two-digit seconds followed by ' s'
11 h 44 min 15 s
